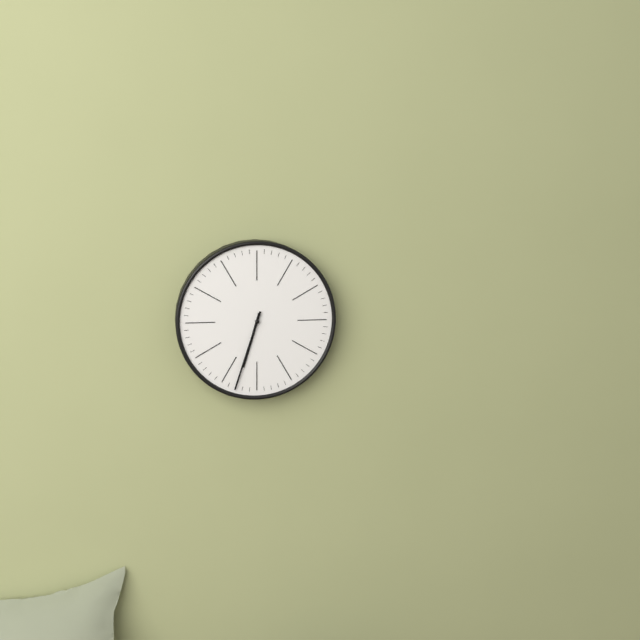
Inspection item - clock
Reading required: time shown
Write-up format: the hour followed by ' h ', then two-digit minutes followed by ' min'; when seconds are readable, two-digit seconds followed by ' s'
6 h 33 min
